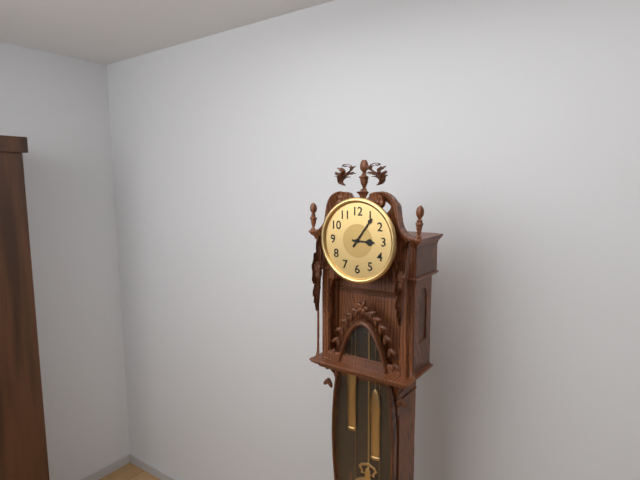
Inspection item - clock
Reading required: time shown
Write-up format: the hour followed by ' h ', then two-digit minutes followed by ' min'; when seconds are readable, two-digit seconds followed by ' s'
3 h 06 min
